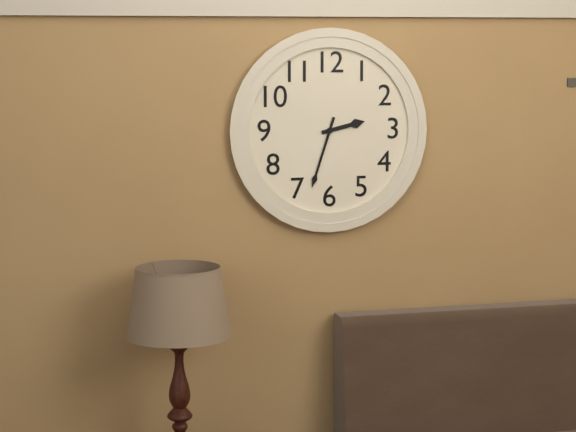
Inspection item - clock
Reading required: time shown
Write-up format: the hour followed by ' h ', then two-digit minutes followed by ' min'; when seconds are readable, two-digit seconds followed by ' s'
2 h 33 min
